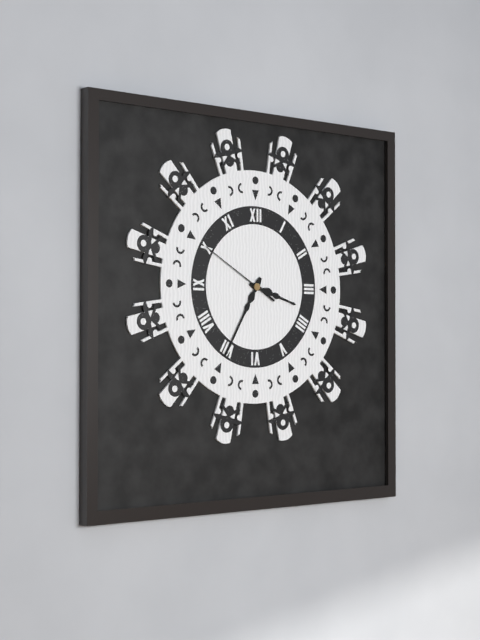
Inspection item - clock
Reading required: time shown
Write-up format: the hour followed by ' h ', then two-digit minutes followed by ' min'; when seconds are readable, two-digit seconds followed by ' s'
3 h 35 min 50 s
